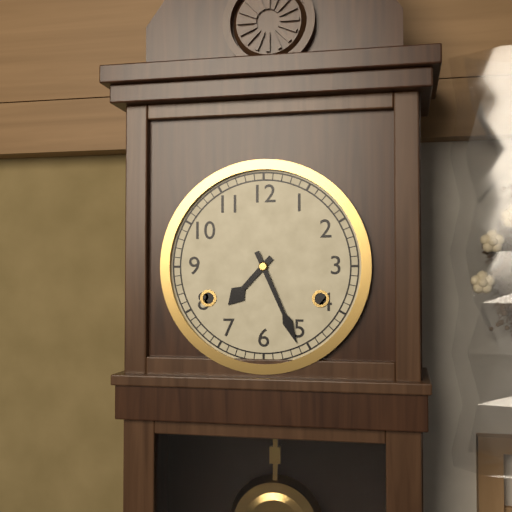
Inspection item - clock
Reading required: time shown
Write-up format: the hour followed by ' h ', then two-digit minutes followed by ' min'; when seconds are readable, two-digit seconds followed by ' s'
7 h 26 min
